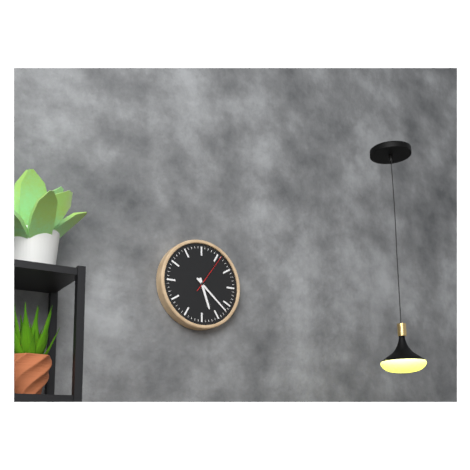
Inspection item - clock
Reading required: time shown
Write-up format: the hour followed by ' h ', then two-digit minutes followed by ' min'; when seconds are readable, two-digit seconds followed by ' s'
5 h 22 min
